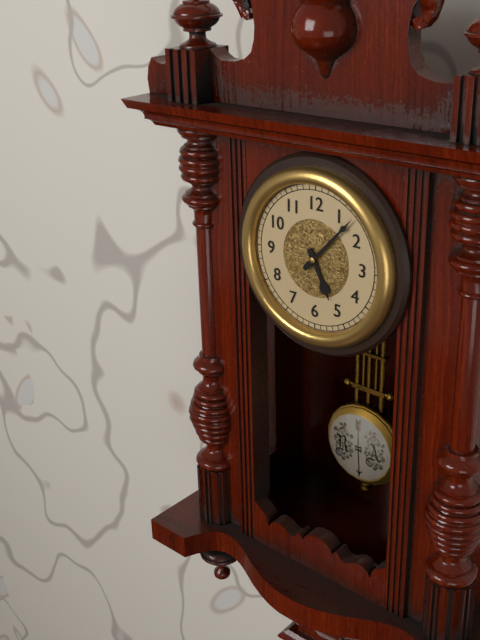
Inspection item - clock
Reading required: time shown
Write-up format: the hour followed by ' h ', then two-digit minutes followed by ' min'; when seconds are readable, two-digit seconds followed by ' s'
5 h 07 min
